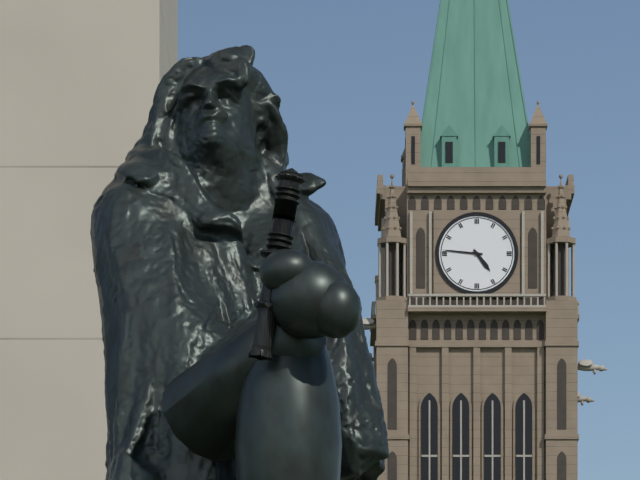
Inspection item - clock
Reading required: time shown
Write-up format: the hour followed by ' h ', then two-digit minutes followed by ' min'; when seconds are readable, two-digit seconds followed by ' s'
4 h 46 min
